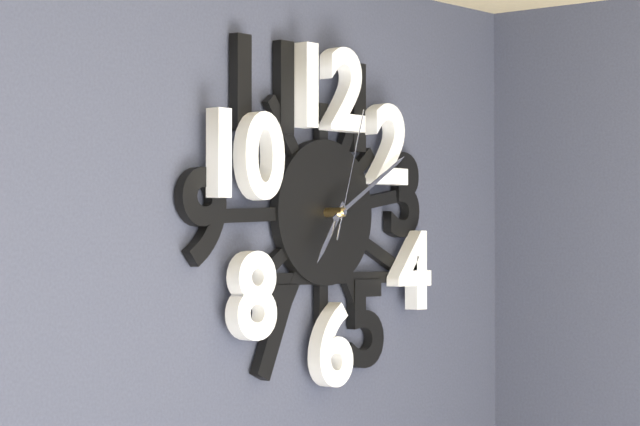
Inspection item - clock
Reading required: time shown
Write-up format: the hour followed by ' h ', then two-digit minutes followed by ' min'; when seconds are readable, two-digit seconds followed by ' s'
7 h 10 min 03 s
